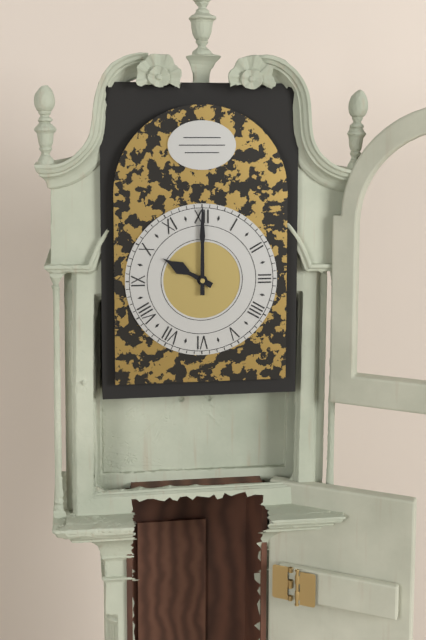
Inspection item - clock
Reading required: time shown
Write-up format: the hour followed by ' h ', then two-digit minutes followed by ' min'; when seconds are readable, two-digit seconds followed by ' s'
10 h 00 min
